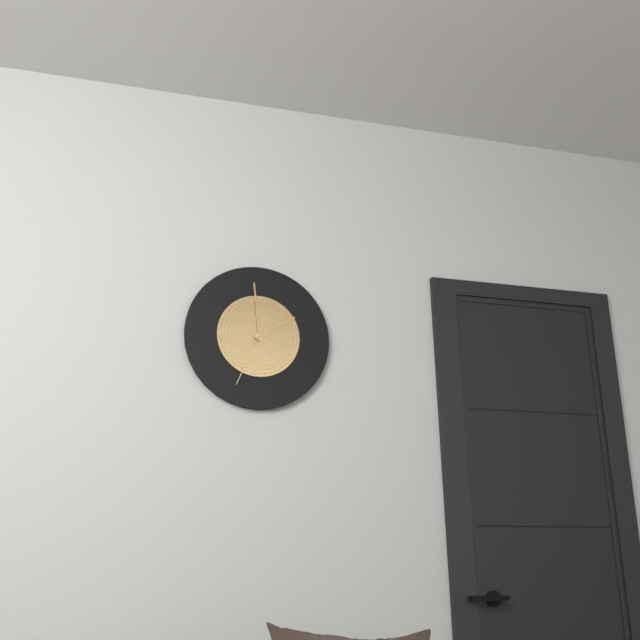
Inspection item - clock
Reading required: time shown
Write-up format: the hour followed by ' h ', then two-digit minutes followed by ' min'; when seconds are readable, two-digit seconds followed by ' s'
1 h 59 min 34 s
